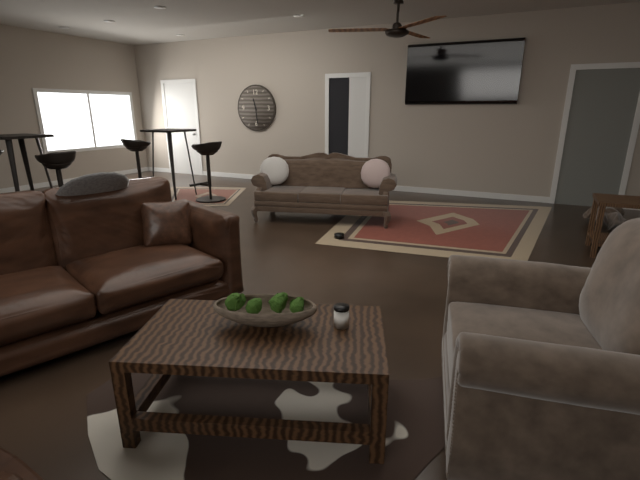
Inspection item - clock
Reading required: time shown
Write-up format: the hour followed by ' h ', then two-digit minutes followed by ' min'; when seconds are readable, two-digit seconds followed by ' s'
11 h 29 min
